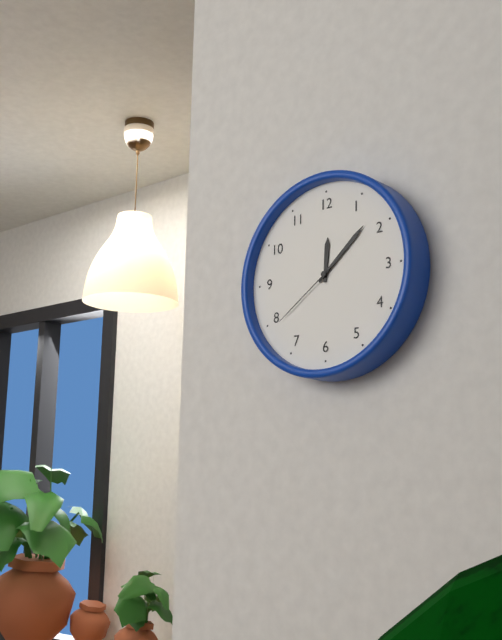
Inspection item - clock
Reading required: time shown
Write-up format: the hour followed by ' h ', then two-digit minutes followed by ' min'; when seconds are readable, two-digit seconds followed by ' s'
12 h 08 min 39 s
